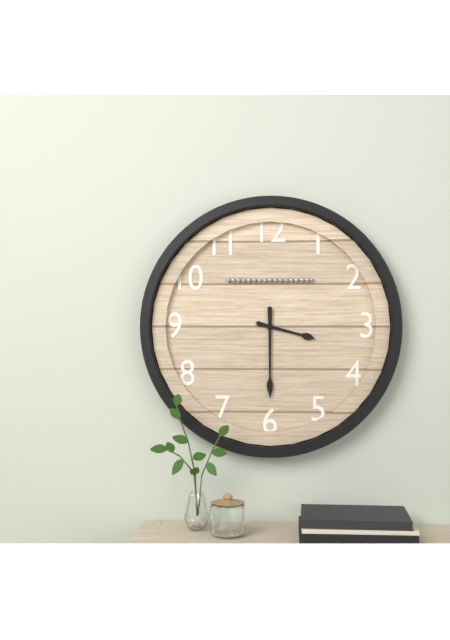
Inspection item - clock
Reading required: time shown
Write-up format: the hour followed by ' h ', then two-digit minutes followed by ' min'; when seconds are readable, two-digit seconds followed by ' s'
3 h 30 min
